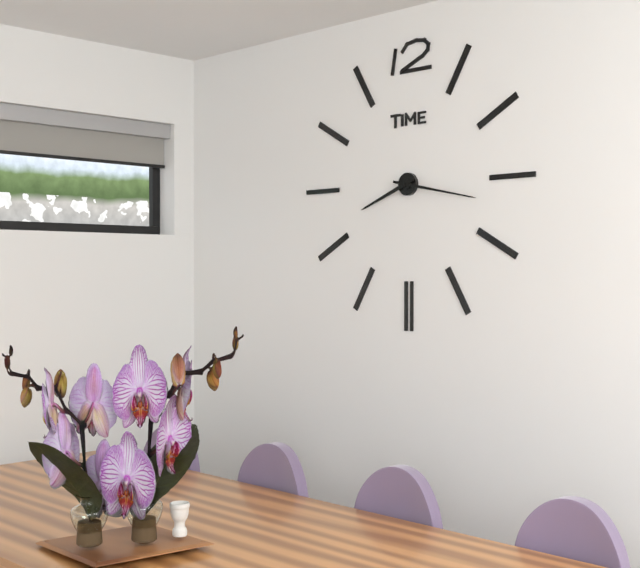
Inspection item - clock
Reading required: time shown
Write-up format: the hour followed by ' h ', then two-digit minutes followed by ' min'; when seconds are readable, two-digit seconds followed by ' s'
8 h 17 min
